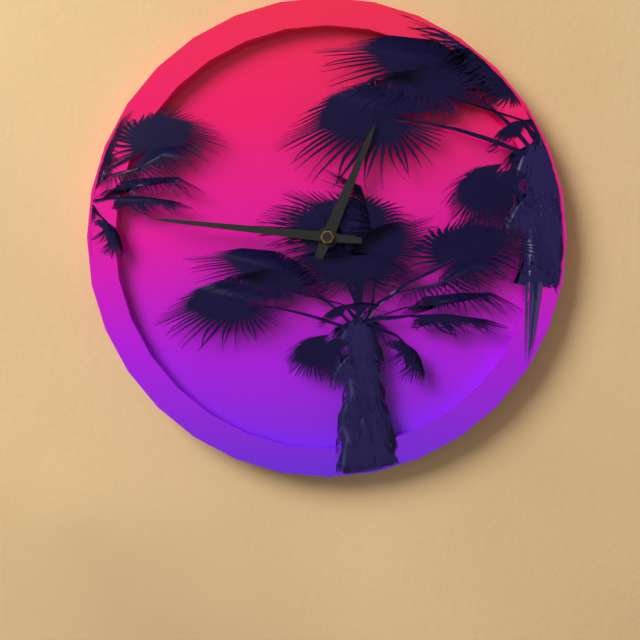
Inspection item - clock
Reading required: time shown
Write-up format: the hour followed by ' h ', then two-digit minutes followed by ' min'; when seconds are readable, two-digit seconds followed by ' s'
12 h 46 min
